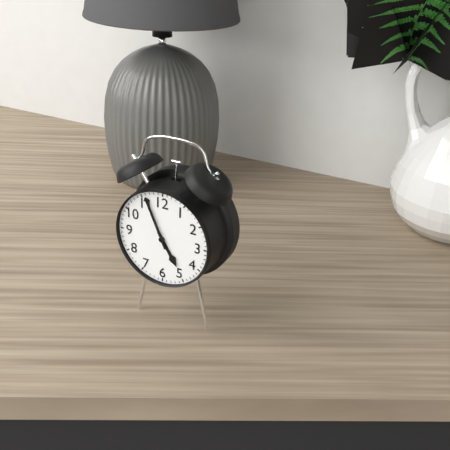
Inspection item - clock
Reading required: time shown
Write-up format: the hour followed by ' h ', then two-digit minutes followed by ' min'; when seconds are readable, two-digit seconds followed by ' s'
4 h 56 min
